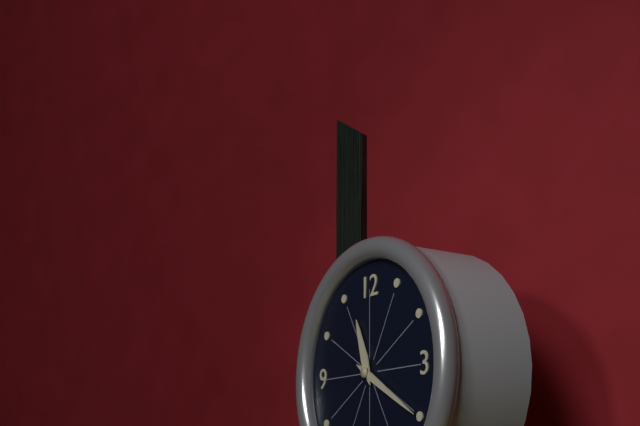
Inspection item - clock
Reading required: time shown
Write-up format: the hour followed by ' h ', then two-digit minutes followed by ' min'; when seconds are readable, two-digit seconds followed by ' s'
11 h 20 min
